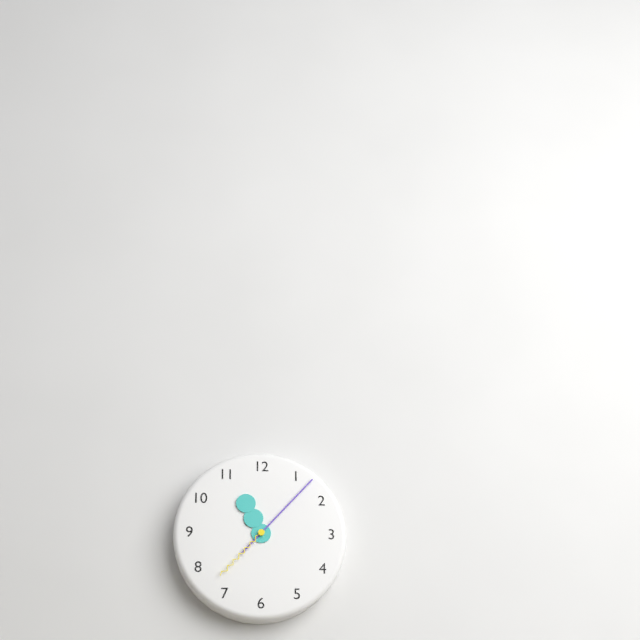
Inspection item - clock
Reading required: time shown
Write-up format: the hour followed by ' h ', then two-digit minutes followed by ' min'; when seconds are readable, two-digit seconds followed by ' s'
11 h 07 min 37 s
